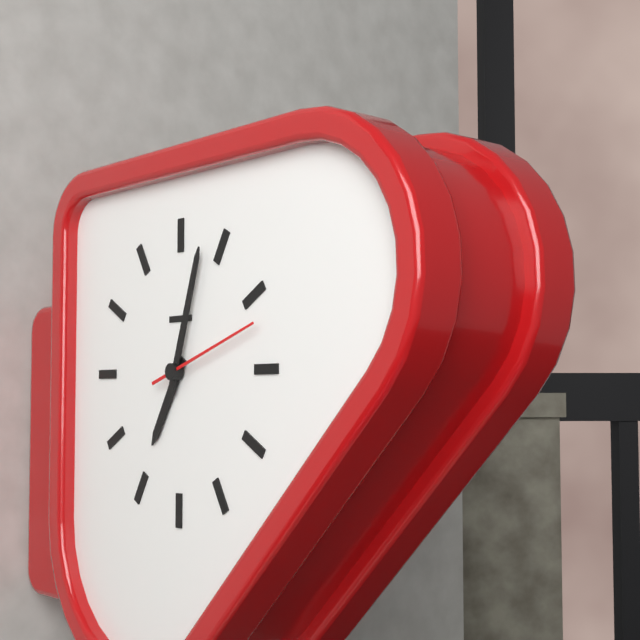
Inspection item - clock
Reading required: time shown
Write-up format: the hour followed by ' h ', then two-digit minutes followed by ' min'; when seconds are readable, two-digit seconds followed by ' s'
7 h 03 min 12 s
